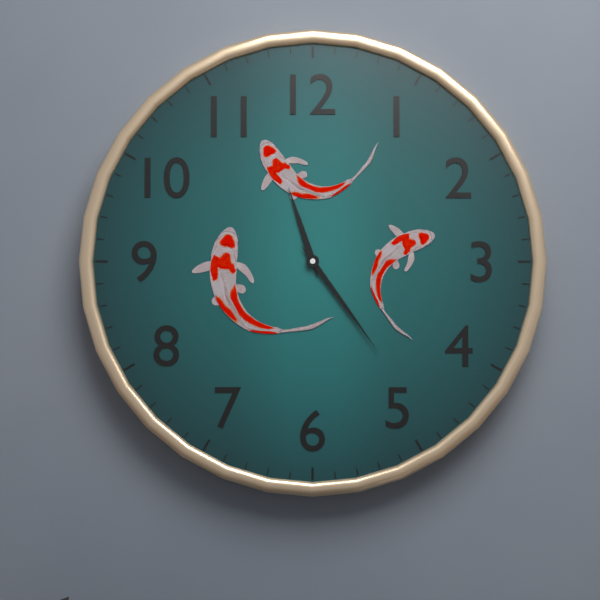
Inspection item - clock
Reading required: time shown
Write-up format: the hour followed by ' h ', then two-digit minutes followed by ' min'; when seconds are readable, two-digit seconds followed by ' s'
11 h 24 min
